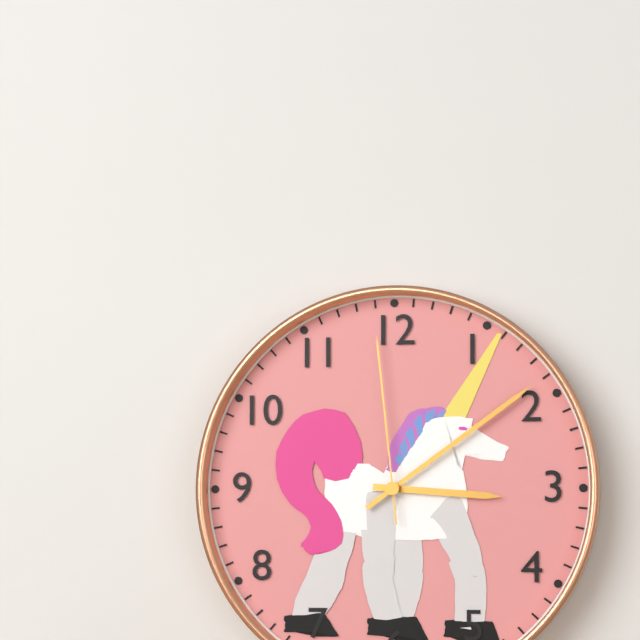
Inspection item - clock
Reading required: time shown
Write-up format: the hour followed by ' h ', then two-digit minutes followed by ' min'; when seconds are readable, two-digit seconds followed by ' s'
3 h 09 min 59 s
